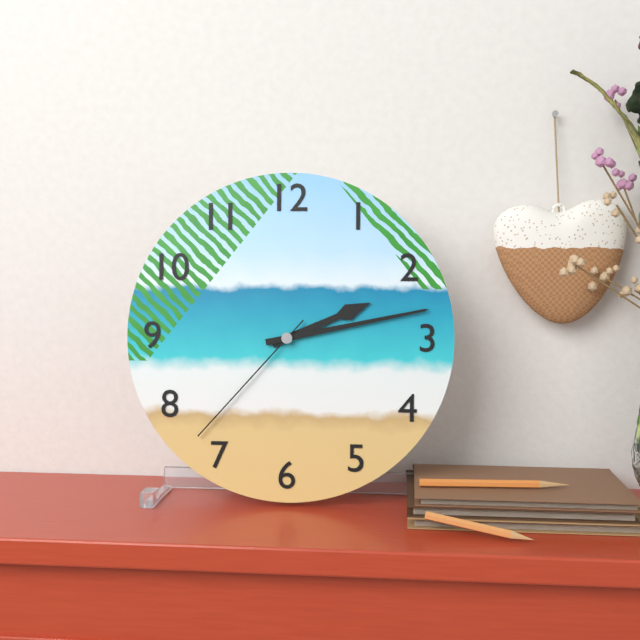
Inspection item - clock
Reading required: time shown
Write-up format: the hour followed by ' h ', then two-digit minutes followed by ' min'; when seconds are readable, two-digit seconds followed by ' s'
2 h 13 min 37 s
